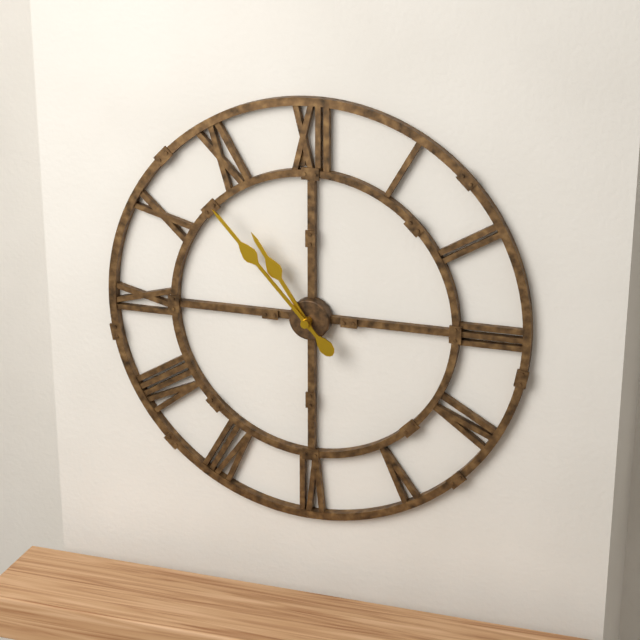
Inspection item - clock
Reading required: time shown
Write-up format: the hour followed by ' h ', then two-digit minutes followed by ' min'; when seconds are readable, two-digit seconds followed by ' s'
10 h 53 min
